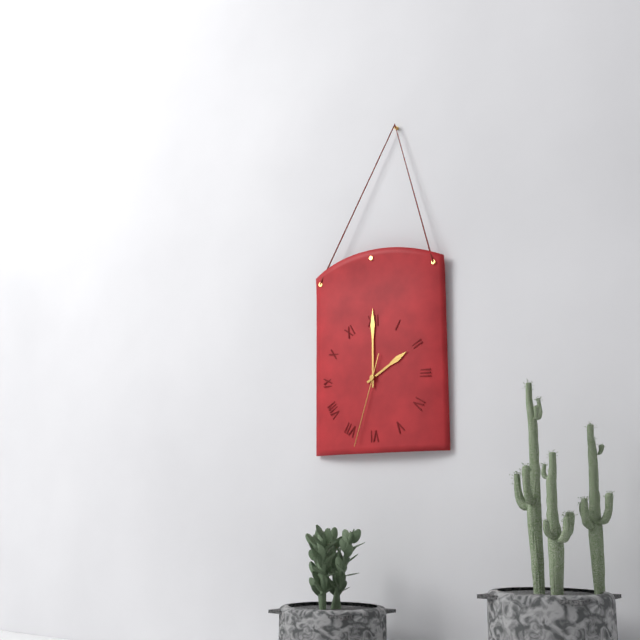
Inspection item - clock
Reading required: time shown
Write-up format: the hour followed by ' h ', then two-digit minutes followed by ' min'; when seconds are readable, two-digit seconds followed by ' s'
2 h 00 min 33 s
